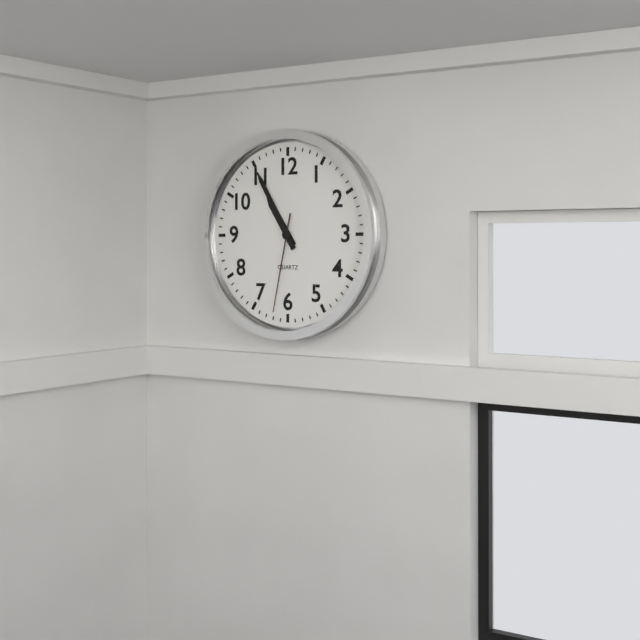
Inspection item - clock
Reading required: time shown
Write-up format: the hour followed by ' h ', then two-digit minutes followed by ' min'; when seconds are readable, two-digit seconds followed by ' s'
10 h 55 min 32 s
